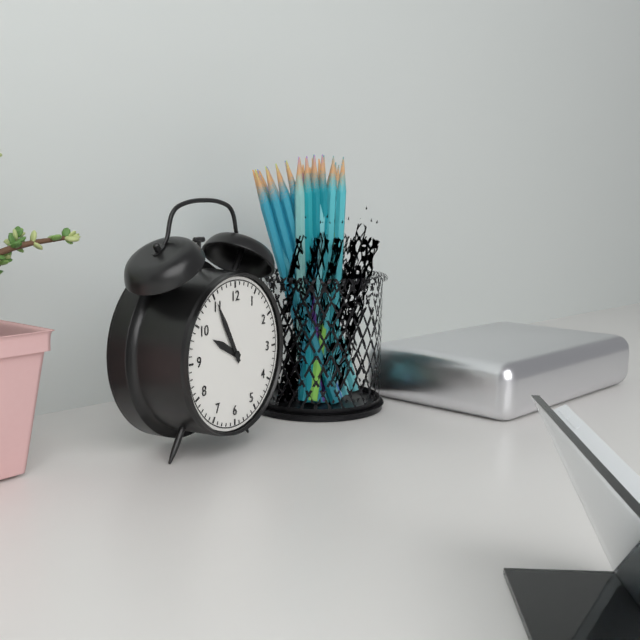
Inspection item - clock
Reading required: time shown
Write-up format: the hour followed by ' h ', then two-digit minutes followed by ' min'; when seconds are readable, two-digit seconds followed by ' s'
9 h 55 min
